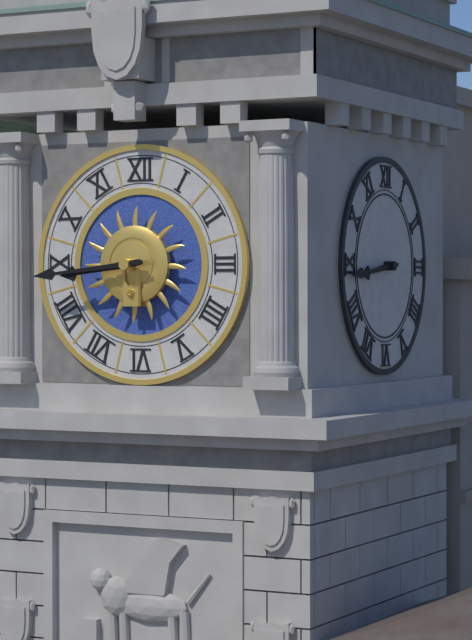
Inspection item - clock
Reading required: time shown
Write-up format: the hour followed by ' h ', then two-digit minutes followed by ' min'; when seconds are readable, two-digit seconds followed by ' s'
8 h 44 min
